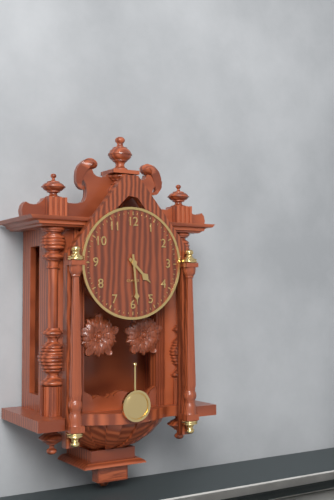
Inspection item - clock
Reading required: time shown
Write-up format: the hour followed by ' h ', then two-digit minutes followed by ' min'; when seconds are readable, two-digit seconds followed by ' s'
4 h 29 min
